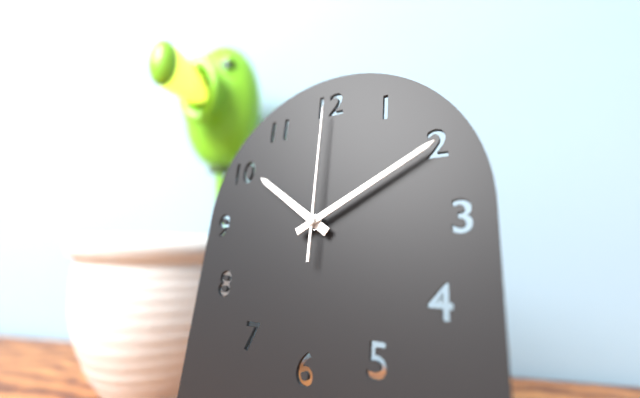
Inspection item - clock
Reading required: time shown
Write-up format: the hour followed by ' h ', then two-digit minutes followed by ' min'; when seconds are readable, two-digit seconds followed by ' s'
10 h 10 min 00 s
